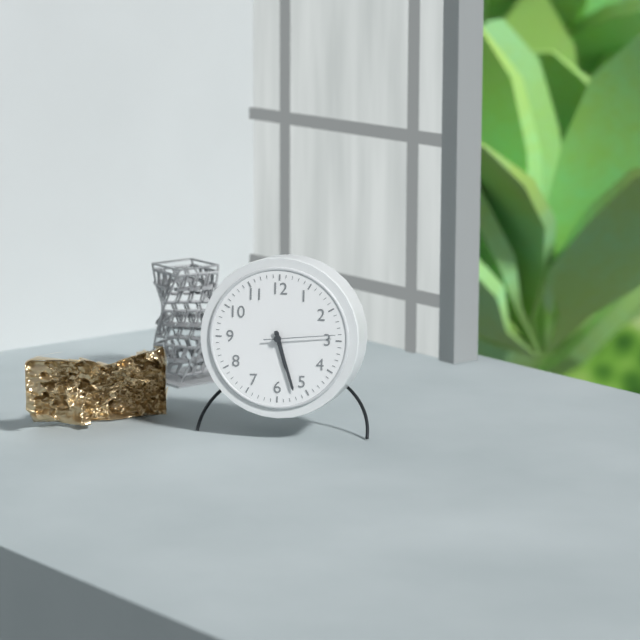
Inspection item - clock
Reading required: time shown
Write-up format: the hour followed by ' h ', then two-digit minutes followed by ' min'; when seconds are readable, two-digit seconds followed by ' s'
5 h 27 min 14 s
